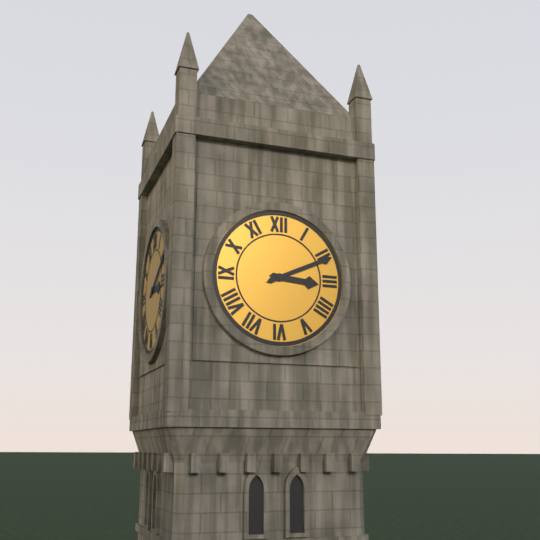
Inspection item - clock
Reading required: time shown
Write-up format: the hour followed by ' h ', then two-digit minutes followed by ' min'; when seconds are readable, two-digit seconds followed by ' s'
3 h 11 min
